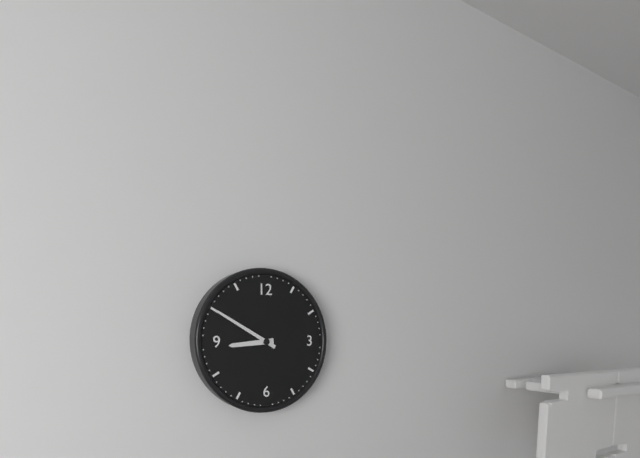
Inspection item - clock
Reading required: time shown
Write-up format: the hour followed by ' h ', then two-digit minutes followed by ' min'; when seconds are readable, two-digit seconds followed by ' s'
8 h 50 min
